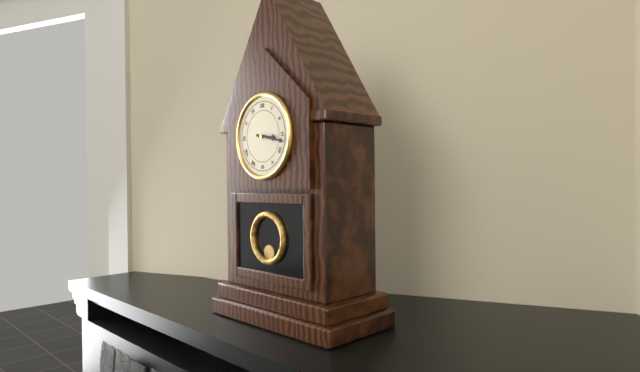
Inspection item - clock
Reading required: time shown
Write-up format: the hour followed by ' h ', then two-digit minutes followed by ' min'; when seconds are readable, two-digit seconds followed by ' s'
3 h 17 min
